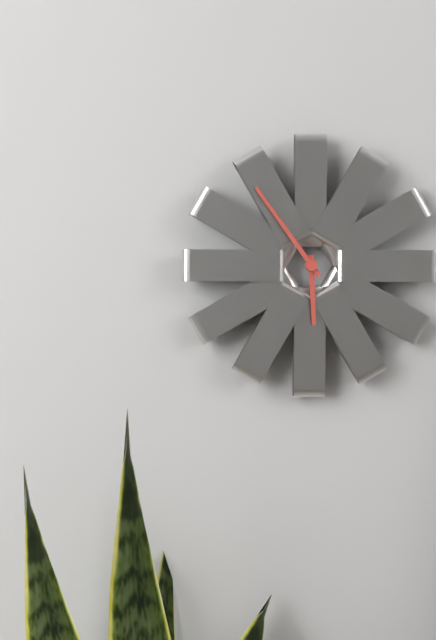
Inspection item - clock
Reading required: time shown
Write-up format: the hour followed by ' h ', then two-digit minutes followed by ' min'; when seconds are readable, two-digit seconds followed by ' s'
5 h 54 min
